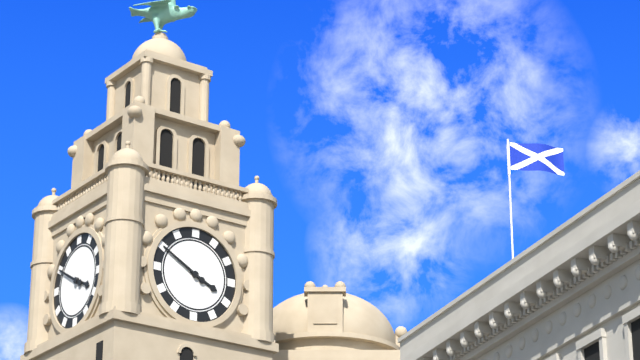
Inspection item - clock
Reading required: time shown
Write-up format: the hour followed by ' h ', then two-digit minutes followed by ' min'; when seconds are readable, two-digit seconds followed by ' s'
3 h 50 min
